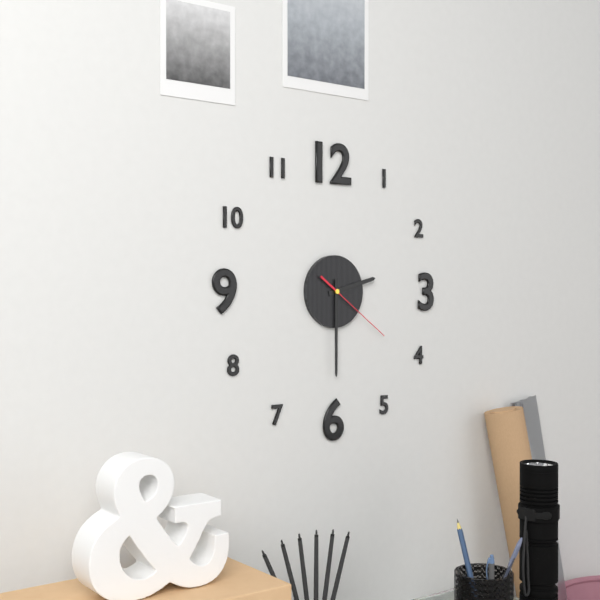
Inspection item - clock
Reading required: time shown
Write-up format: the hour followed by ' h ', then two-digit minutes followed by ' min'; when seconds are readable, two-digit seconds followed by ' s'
2 h 30 min 21 s
